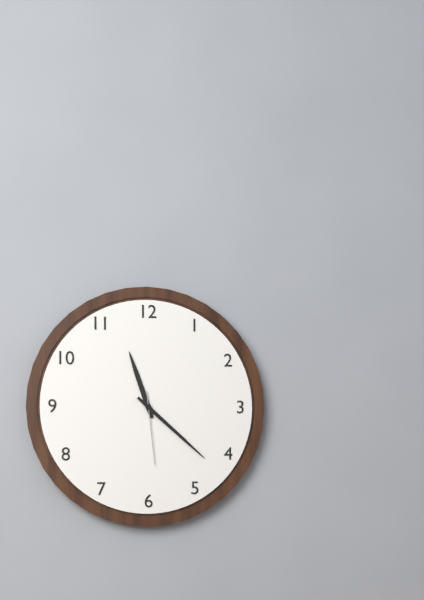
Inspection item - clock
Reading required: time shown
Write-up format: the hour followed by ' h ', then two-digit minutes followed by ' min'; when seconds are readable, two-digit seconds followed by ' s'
11 h 22 min 29 s
